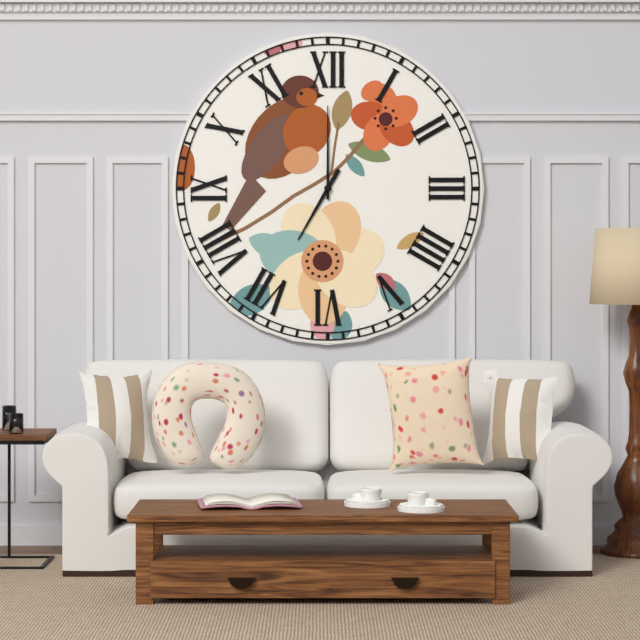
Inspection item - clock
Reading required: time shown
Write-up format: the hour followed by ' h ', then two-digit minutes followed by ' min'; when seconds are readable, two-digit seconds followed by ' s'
7 h 00 min
